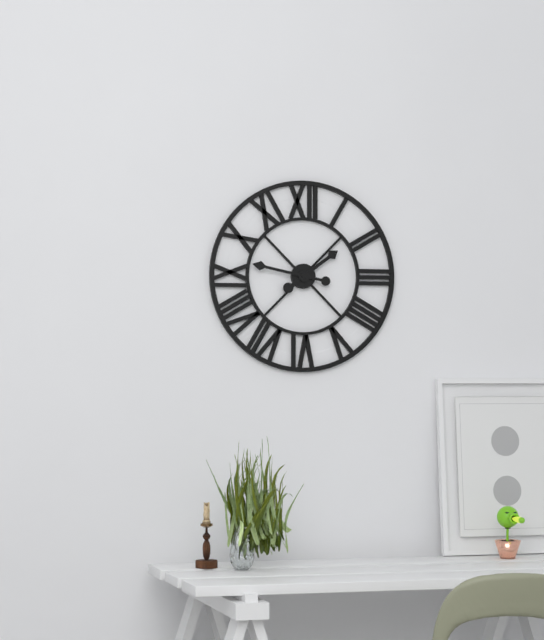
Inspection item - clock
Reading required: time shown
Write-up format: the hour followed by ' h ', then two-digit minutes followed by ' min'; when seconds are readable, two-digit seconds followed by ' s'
1 h 47 min
